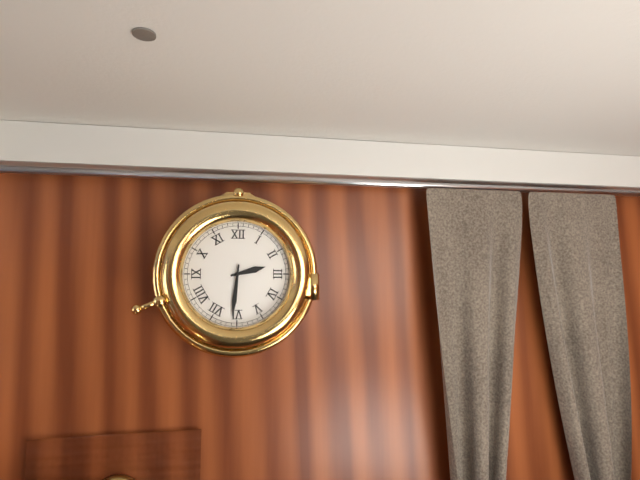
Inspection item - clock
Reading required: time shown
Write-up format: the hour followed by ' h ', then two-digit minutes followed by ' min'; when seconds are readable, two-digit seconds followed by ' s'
2 h 31 min
